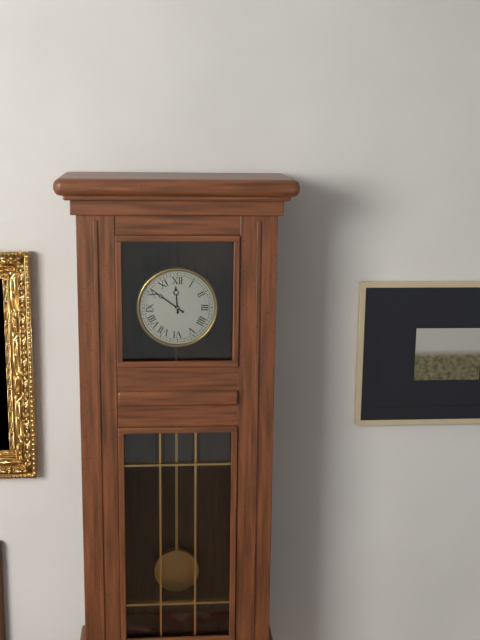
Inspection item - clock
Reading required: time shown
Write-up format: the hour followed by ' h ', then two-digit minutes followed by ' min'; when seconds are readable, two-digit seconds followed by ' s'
11 h 51 min
